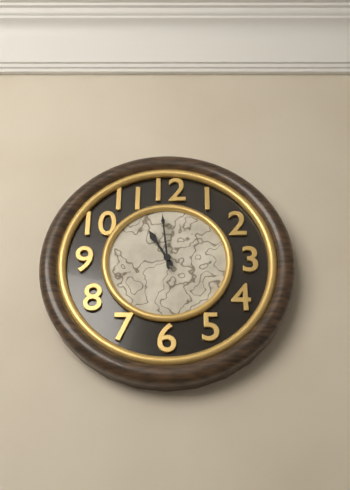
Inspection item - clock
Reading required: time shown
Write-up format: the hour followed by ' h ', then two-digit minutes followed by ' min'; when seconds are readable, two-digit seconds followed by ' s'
10 h 59 min
